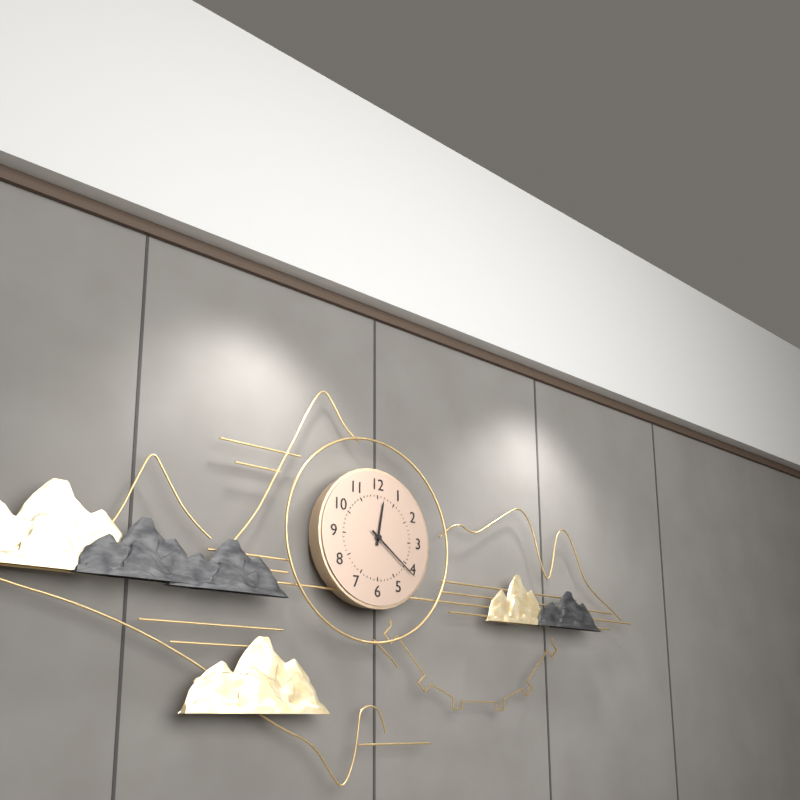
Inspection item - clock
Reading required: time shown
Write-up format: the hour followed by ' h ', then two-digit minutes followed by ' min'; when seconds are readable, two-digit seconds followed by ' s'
12 h 21 min
